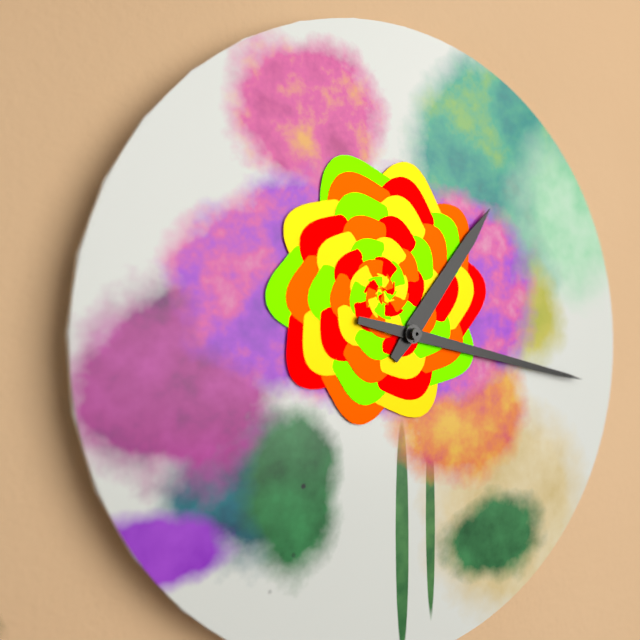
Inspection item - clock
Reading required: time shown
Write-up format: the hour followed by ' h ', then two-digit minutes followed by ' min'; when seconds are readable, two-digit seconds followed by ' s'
1 h 17 min
